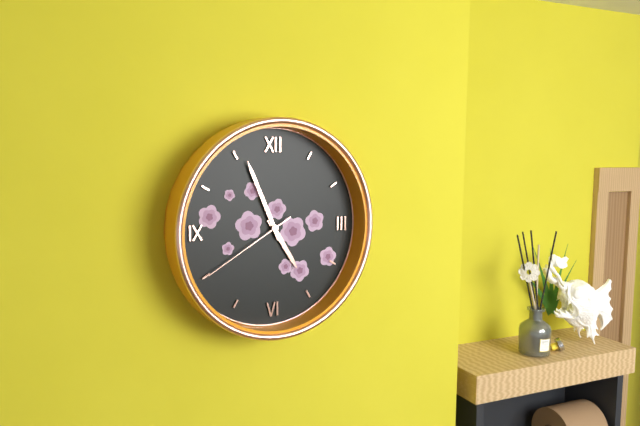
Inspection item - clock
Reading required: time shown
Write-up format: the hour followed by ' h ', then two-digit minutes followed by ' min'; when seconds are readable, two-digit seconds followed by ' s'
4 h 56 min 40 s
